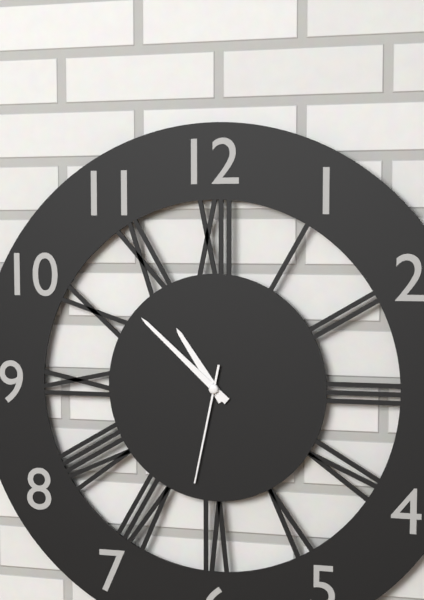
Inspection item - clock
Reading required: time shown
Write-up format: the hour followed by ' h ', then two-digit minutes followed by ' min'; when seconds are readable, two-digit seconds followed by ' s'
10 h 52 min 32 s
